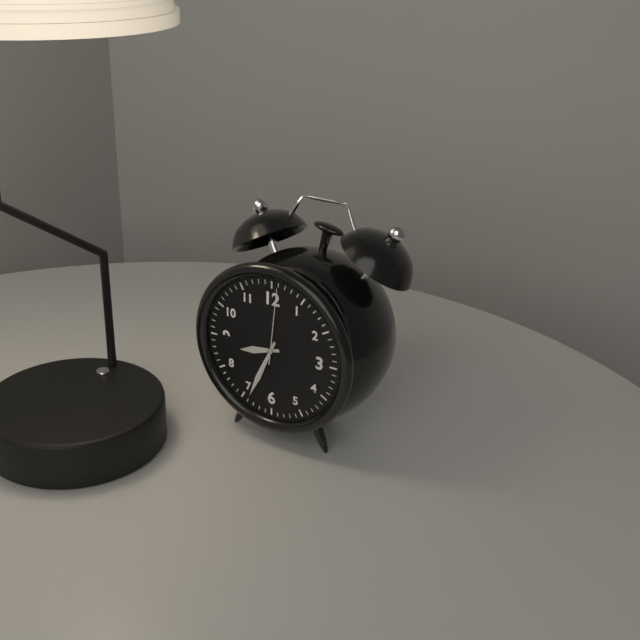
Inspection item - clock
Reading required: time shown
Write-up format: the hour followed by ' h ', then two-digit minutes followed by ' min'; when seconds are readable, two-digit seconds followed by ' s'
8 h 34 min 01 s
